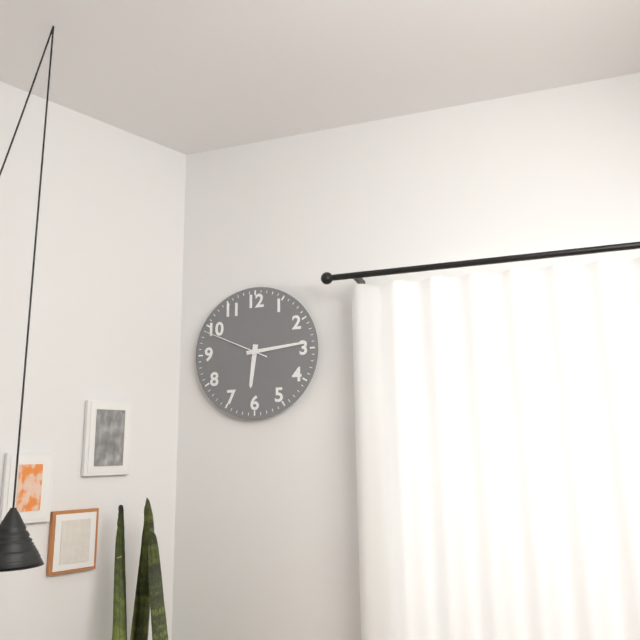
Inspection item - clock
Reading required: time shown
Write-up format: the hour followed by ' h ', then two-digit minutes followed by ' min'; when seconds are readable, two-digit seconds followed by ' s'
6 h 14 min 49 s
